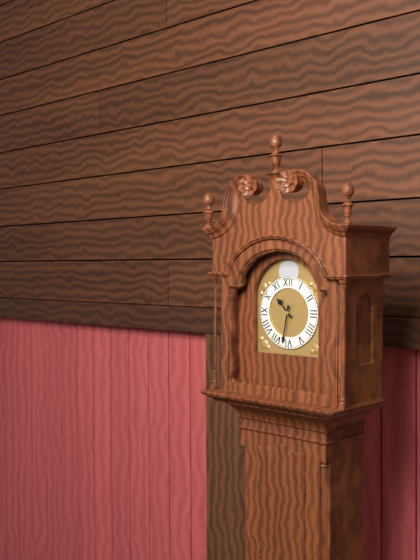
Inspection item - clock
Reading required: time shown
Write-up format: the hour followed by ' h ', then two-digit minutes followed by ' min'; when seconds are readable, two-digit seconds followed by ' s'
10 h 32 min
